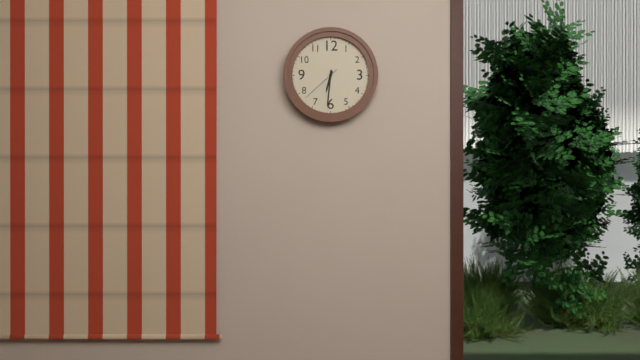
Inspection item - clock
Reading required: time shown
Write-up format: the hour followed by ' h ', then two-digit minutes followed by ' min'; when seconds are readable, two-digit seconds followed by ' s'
6 h 31 min
